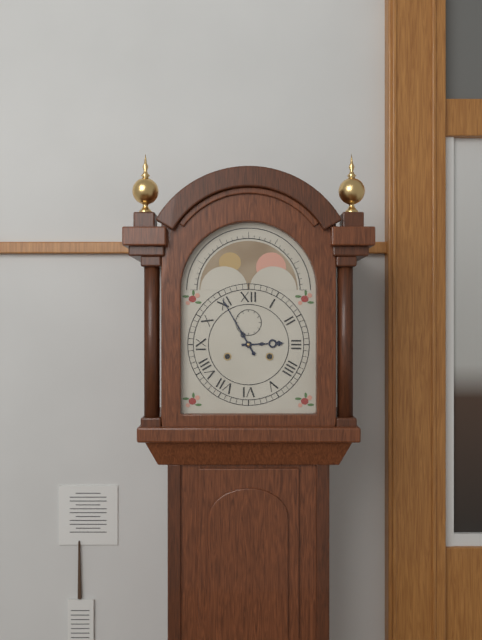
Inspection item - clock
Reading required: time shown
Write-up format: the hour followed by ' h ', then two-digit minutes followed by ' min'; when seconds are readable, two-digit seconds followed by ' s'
2 h 55 min
